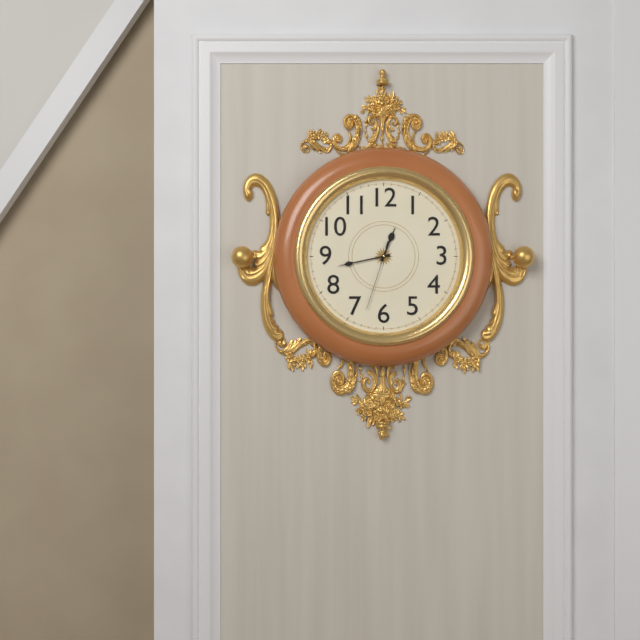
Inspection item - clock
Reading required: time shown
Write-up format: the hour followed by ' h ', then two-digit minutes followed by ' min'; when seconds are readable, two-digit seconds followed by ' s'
12 h 43 min 33 s
